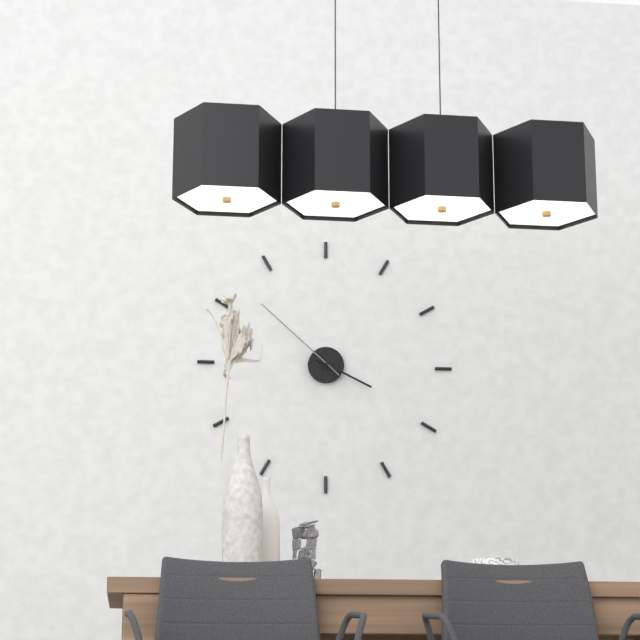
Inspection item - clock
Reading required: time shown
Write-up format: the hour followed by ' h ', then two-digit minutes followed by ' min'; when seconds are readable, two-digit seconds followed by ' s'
3 h 52 min
